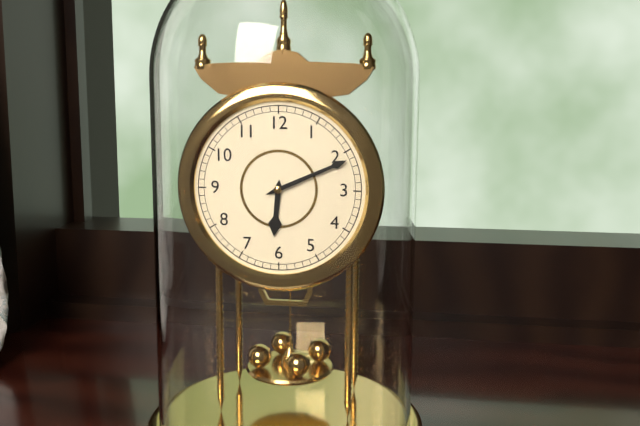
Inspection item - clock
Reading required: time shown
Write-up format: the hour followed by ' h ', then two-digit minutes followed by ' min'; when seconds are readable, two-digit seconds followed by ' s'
6 h 11 min
